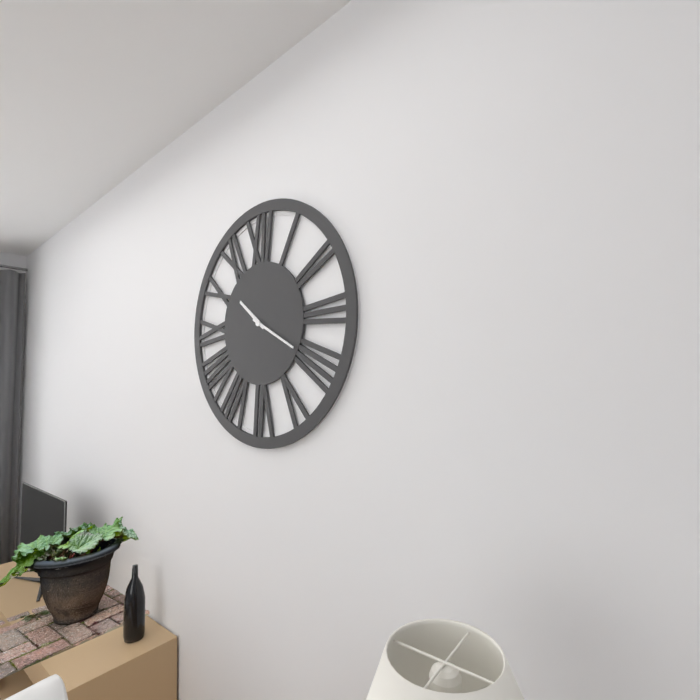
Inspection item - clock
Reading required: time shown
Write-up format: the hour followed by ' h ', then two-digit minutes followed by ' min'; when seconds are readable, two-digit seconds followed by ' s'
10 h 20 min
